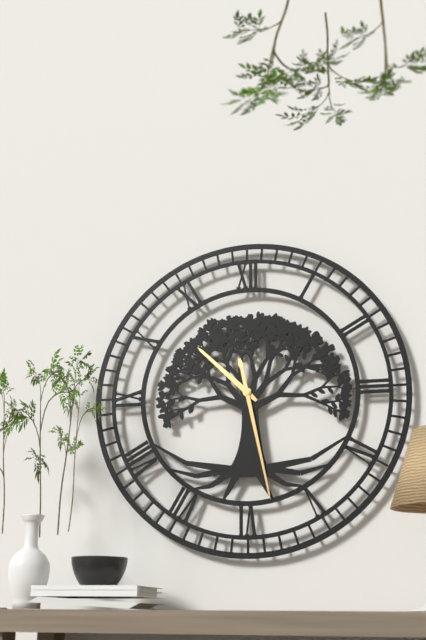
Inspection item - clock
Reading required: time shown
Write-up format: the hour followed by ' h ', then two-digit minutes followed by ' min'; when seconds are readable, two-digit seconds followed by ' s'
10 h 28 min
